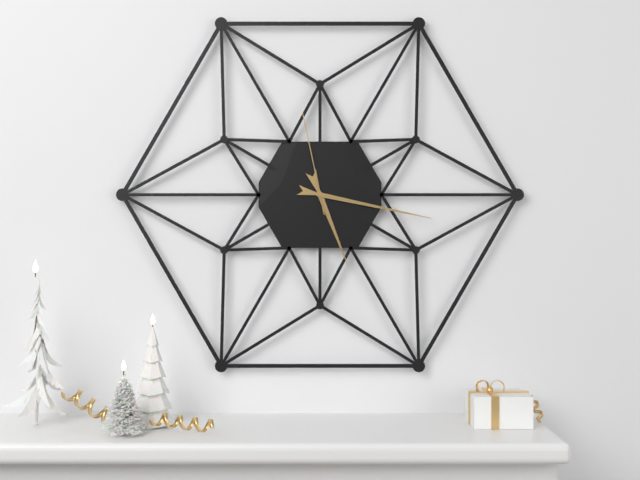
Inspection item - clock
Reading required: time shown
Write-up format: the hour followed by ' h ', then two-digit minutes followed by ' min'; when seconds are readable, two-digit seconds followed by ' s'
5 h 17 min 58 s
